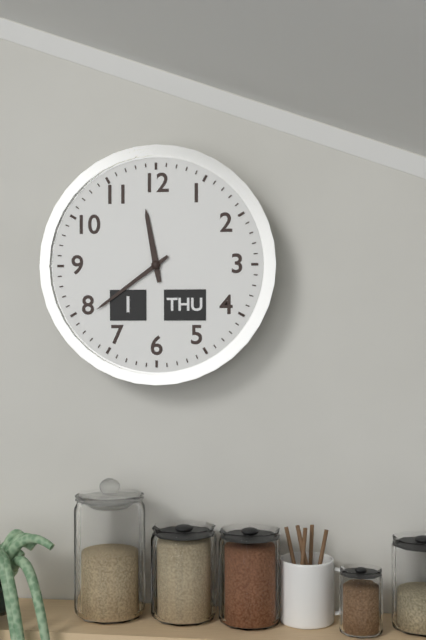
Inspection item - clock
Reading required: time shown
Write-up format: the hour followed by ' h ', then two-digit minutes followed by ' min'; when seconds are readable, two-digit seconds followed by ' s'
11 h 39 min
